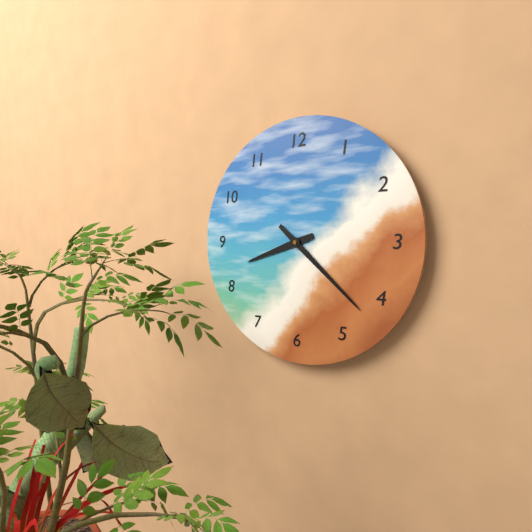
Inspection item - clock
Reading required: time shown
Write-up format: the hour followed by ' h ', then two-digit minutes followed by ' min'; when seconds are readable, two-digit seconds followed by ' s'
8 h 22 min
